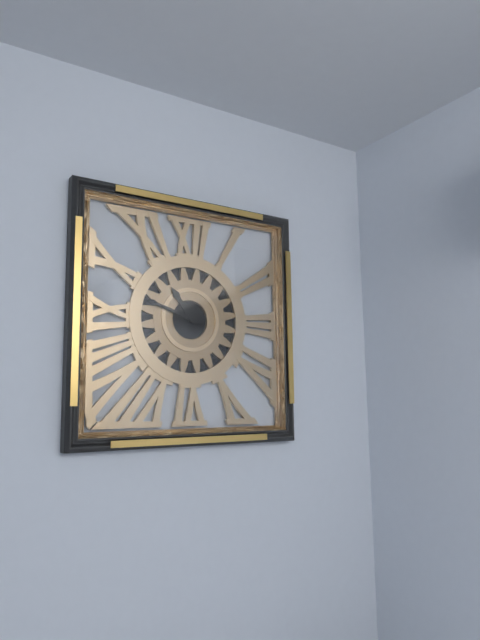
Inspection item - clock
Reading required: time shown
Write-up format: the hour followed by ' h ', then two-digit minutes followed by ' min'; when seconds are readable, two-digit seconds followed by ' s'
10 h 48 min
